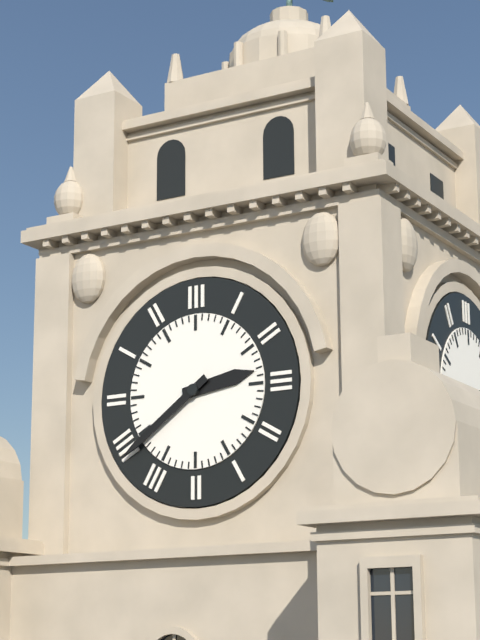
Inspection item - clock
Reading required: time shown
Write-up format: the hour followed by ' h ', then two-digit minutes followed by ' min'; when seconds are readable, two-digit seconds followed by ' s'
2 h 39 min
